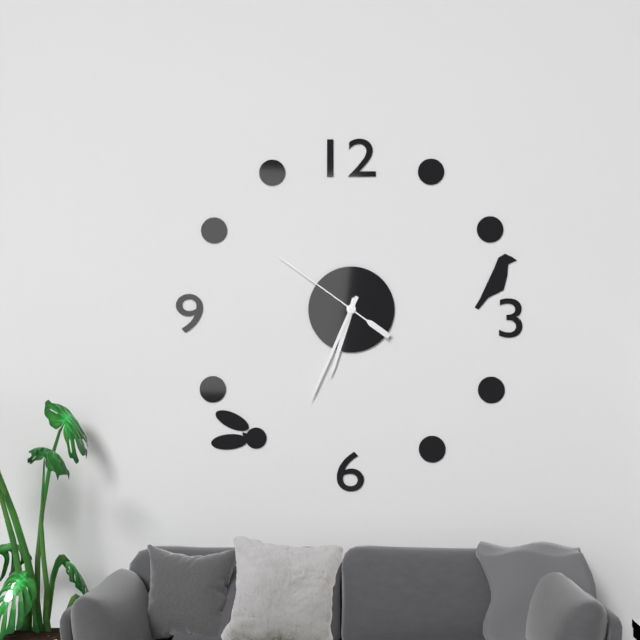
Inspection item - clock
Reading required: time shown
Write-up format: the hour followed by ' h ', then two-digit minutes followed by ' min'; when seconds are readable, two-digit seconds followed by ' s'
6 h 34 min 51 s
